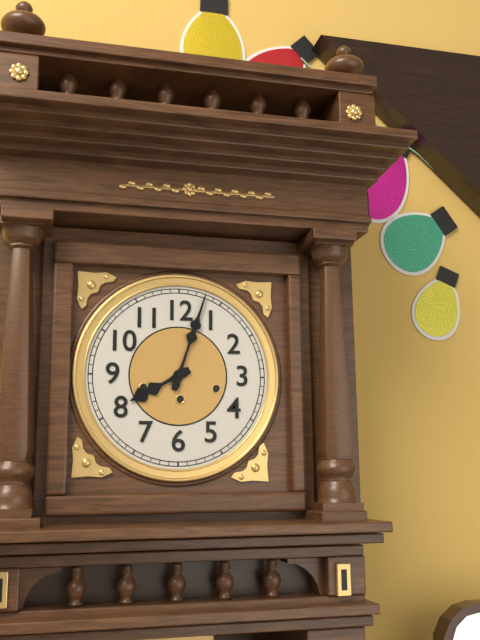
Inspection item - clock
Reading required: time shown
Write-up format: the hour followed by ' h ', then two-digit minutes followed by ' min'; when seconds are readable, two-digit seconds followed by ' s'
8 h 03 min
